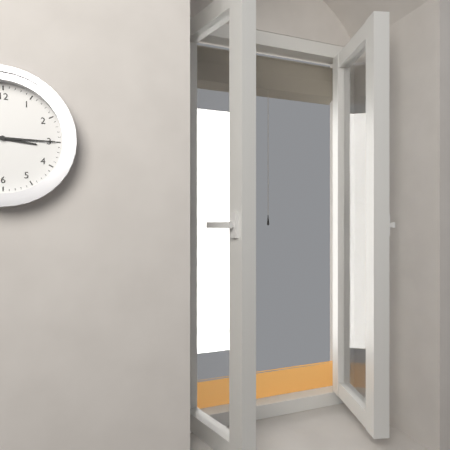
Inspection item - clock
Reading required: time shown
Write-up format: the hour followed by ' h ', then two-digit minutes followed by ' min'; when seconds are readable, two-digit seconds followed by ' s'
3 h 15 min
